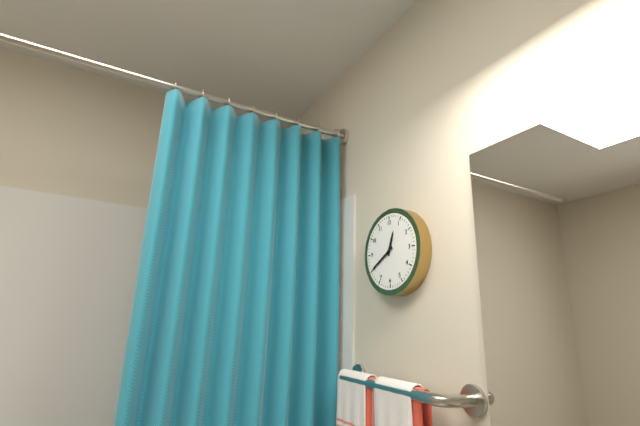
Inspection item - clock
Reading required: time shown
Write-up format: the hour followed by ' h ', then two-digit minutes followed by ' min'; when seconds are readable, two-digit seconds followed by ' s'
12 h 40 min
